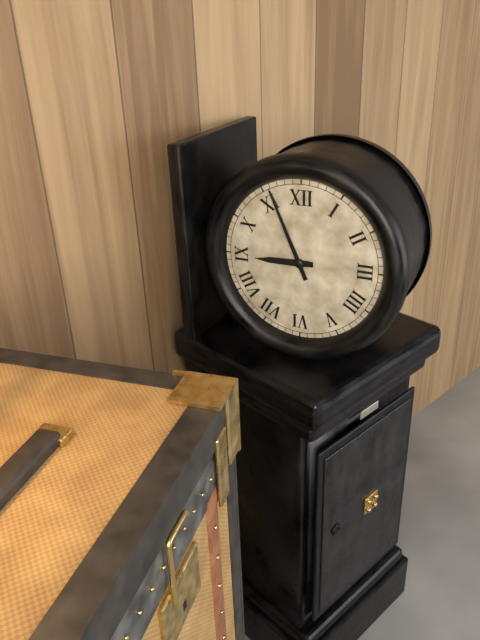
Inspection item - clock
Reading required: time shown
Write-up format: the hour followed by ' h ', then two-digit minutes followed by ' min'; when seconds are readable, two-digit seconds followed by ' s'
8 h 56 min
